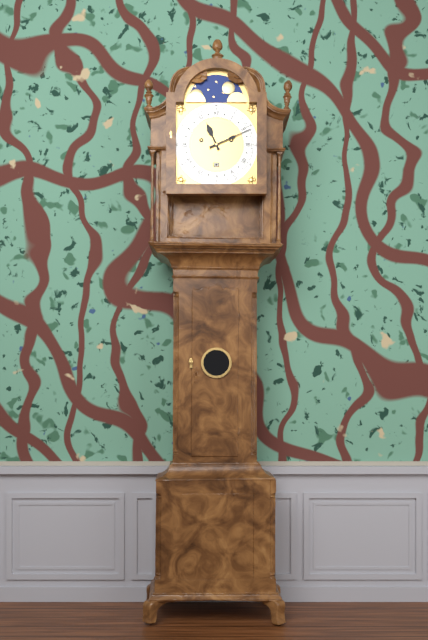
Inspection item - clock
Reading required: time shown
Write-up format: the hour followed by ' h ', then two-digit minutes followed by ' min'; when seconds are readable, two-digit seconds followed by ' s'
11 h 11 min
